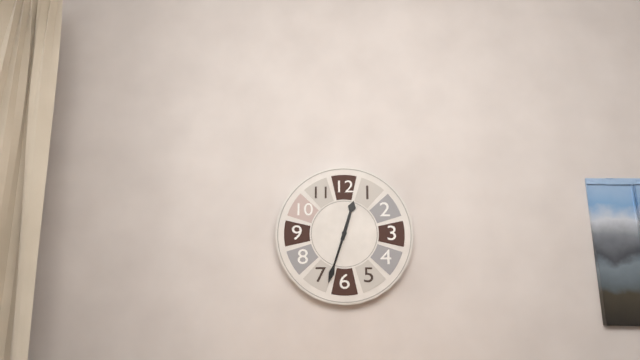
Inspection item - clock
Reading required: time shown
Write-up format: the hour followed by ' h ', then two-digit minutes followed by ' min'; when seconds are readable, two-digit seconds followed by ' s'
12 h 33 min
